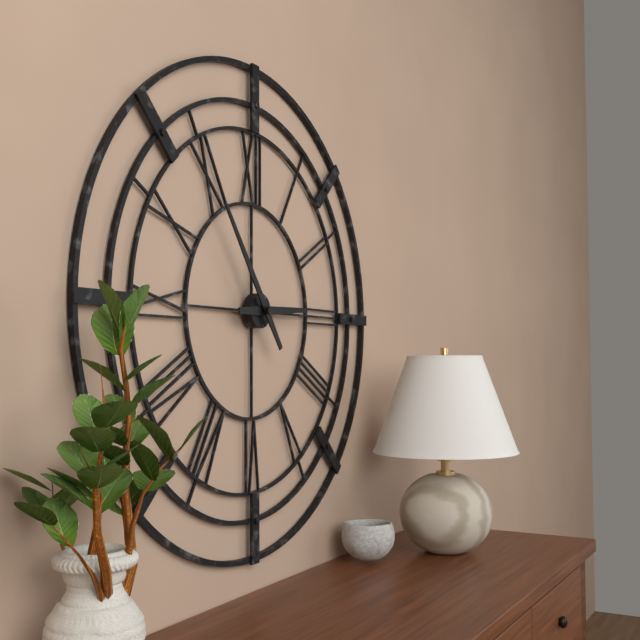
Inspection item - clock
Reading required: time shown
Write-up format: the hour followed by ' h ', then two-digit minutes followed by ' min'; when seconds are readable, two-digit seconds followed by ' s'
2 h 54 min
